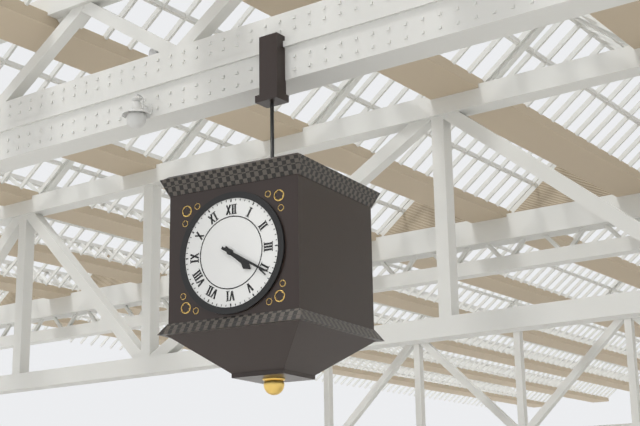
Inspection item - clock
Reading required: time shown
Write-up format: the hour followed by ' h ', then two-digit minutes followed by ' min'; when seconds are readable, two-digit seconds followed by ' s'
4 h 20 min
